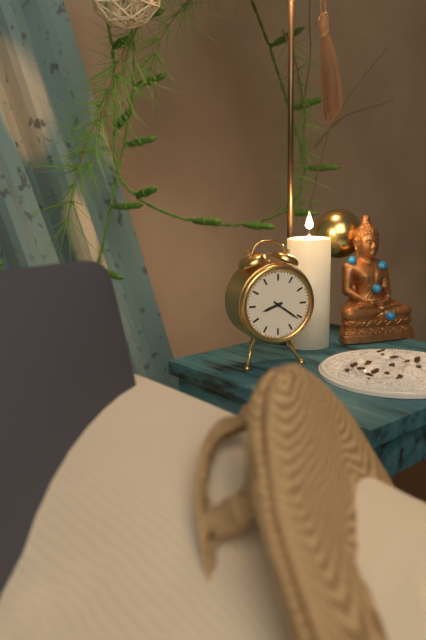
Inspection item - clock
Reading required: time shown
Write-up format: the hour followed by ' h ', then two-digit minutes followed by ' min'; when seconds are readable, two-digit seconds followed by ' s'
8 h 21 min
